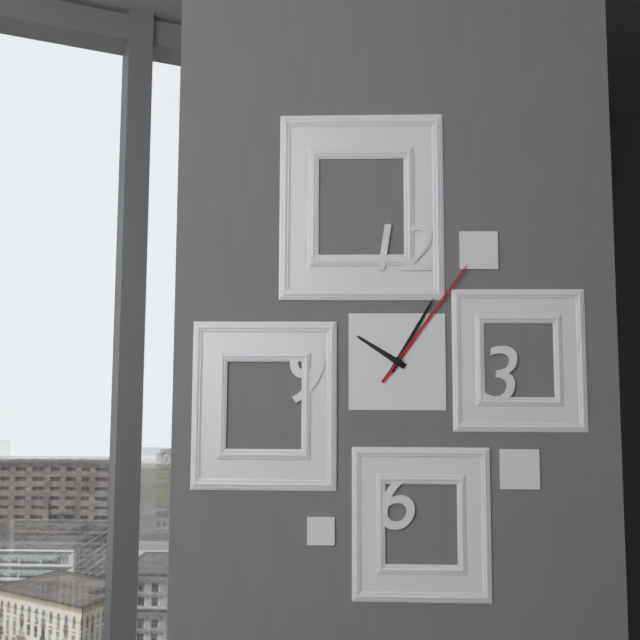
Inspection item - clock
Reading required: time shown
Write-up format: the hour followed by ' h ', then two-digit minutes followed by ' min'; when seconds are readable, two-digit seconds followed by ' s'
10 h 05 min 06 s
